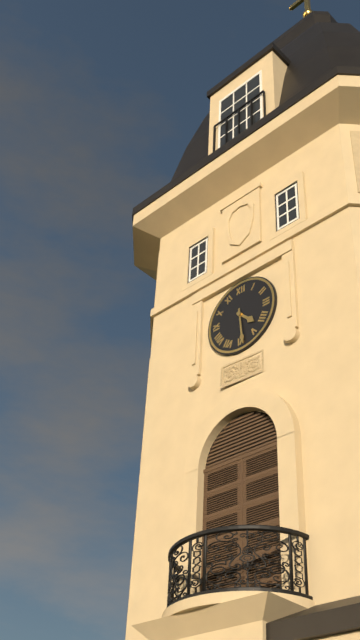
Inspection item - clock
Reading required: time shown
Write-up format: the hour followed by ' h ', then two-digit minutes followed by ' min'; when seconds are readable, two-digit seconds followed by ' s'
4 h 29 min
